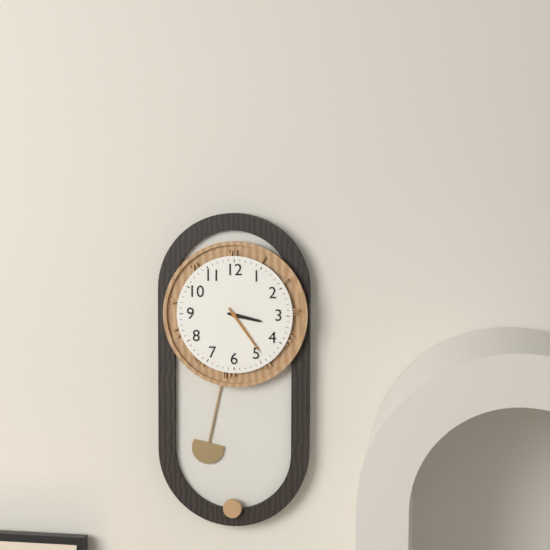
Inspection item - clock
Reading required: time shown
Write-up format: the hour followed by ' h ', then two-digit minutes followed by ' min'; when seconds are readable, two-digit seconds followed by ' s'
3 h 24 min
